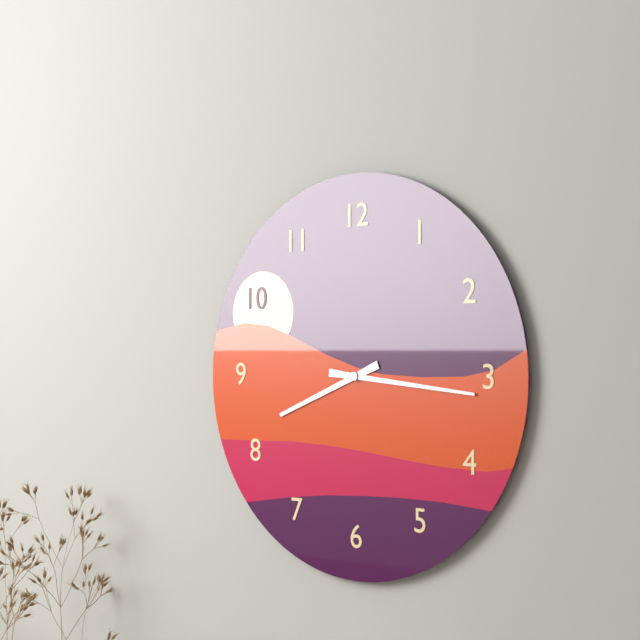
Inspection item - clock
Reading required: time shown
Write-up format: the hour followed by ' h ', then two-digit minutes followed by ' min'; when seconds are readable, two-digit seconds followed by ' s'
8 h 16 min
